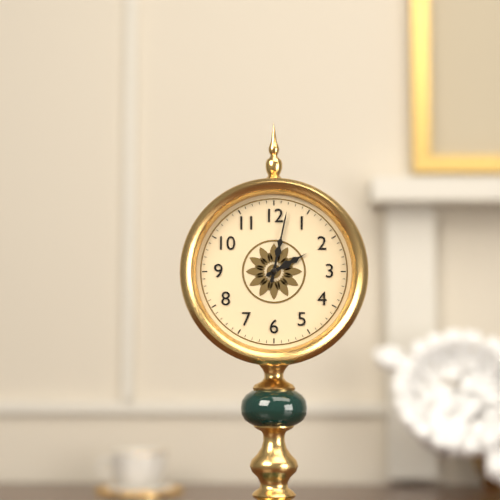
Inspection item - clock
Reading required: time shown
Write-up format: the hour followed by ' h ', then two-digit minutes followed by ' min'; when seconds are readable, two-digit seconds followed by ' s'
2 h 02 min
